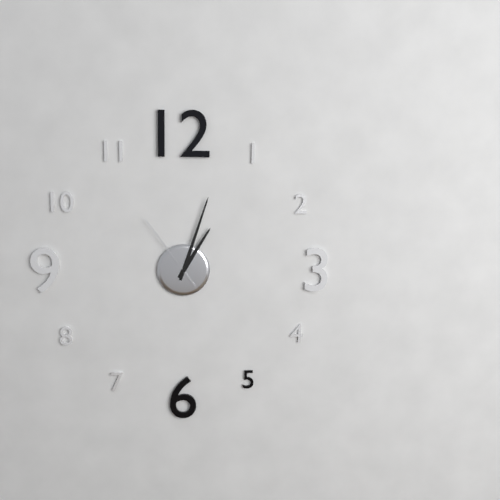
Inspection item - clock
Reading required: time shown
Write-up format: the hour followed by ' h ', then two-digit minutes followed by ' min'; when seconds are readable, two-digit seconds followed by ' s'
1 h 03 min 54 s
